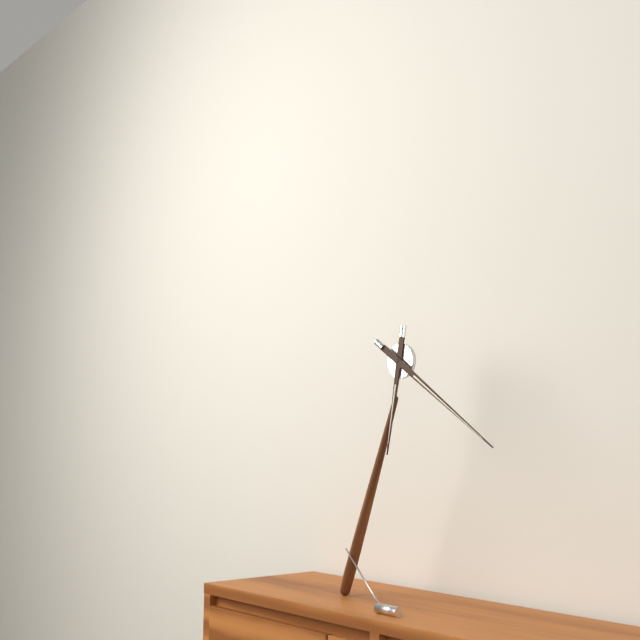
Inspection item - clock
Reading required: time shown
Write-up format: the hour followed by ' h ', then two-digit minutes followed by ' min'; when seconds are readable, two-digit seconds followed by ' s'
6 h 21 min
